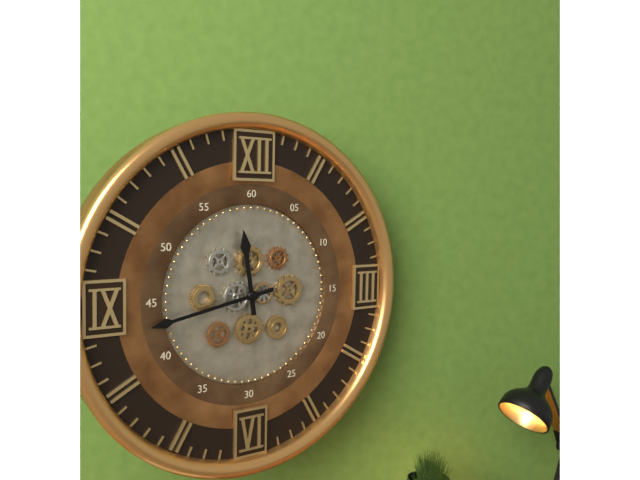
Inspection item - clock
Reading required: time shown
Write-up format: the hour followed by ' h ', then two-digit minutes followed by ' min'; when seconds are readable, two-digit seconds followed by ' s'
11 h 43 min
